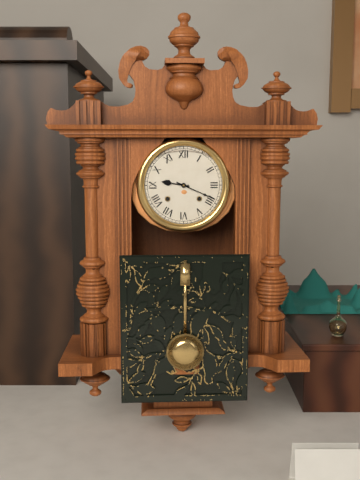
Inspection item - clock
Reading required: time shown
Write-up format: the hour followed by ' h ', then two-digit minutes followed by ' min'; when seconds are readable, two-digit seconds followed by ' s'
9 h 19 min
